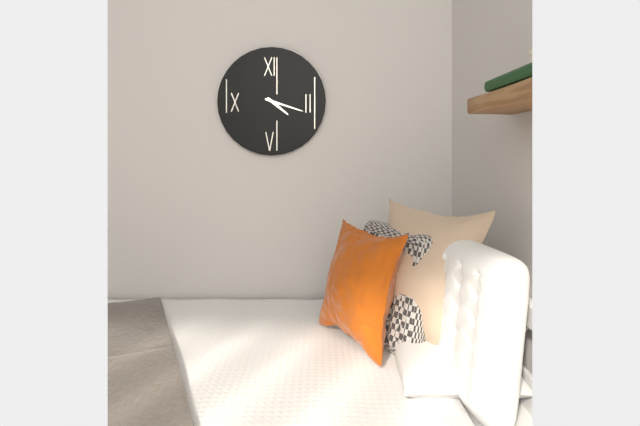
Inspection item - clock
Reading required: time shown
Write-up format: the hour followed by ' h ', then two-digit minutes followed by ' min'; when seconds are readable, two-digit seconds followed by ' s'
4 h 18 min
